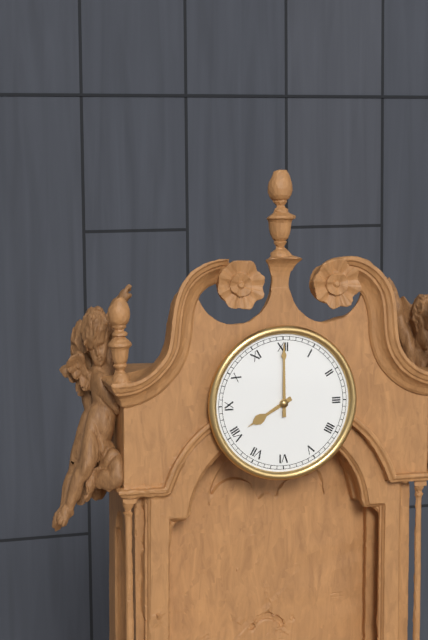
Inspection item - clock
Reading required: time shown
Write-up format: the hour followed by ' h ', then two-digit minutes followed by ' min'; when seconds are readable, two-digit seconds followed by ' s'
8 h 00 min
